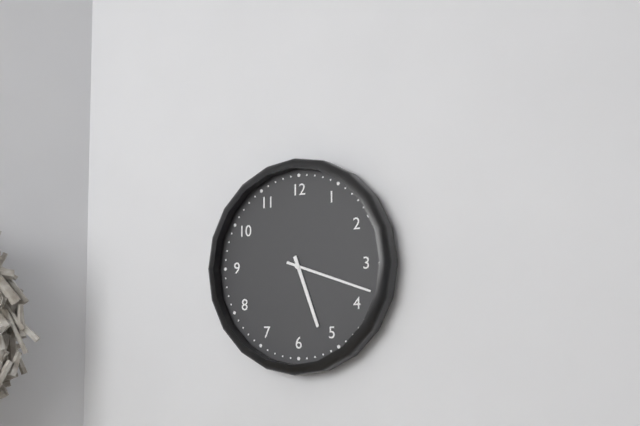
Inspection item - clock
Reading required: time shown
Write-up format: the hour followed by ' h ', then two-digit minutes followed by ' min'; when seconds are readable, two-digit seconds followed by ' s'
5 h 18 min
